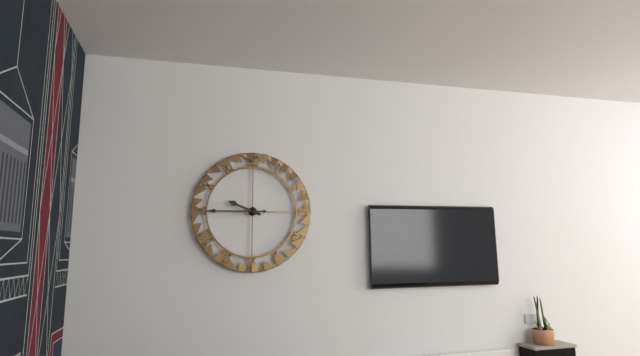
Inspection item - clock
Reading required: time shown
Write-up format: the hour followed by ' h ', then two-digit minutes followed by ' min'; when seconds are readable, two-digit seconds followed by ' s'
9 h 45 min
